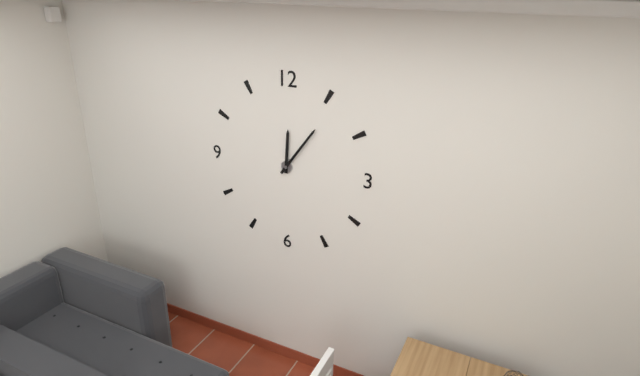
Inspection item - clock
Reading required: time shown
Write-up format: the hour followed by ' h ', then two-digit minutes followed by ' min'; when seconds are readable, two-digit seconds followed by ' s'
12 h 06 min
